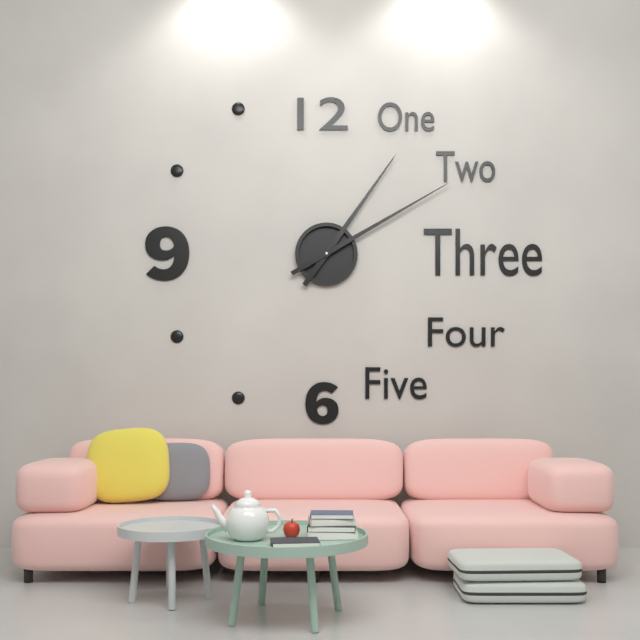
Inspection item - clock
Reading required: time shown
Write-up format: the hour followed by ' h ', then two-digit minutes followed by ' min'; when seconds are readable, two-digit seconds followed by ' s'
1 h 10 min
